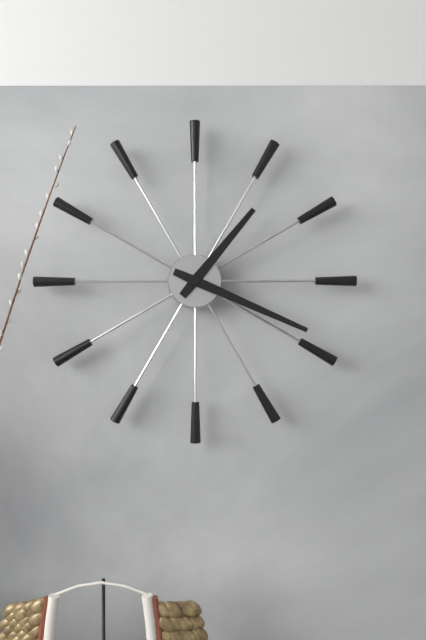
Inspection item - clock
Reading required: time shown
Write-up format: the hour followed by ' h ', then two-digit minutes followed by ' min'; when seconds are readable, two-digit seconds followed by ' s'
1 h 19 min
